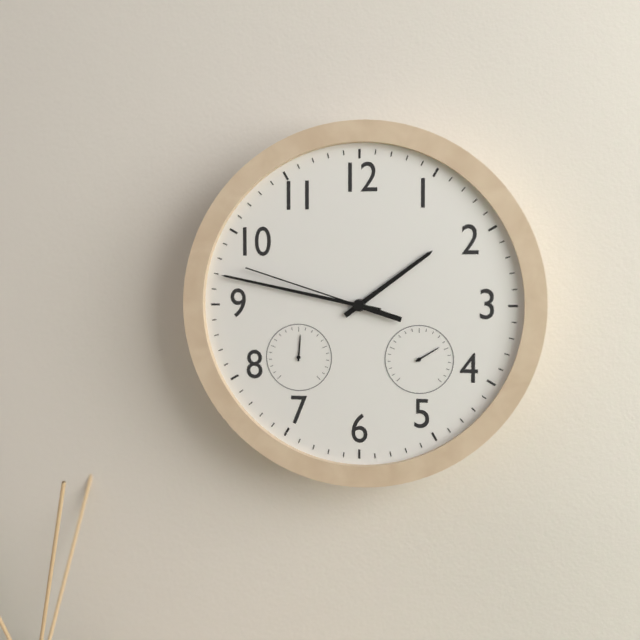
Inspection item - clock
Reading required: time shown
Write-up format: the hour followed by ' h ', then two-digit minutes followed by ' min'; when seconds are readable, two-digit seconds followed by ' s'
1 h 47 min 48 s
